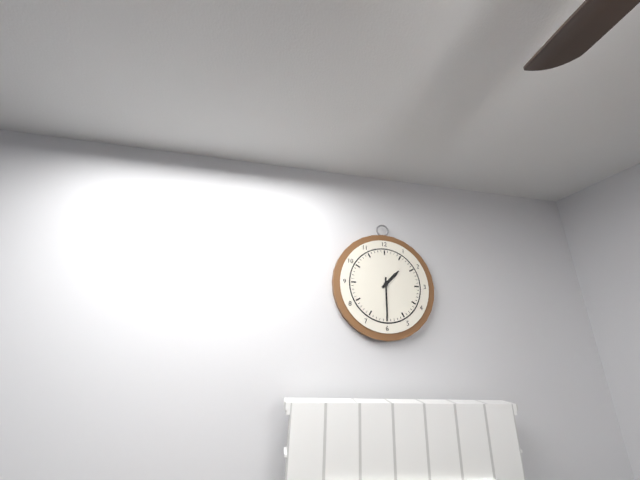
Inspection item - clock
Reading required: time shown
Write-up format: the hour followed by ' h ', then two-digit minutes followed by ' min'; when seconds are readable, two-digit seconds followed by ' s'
1 h 30 min
